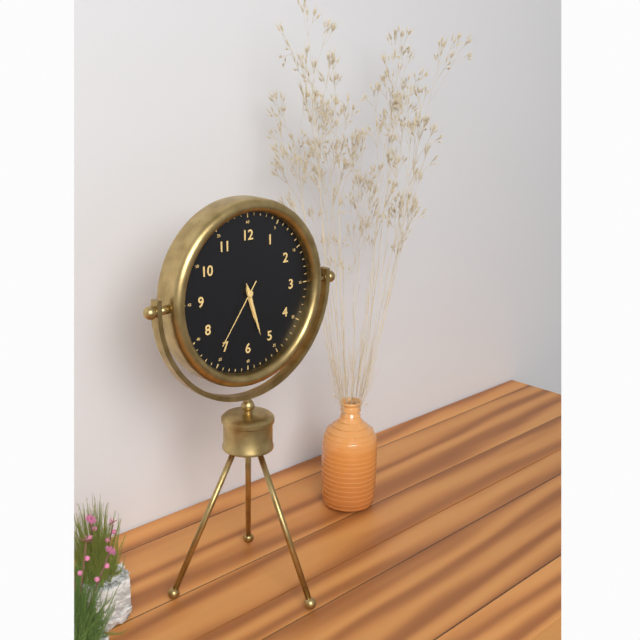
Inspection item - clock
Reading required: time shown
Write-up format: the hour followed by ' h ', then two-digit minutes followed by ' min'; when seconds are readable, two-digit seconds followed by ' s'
5 h 27 min 36 s
